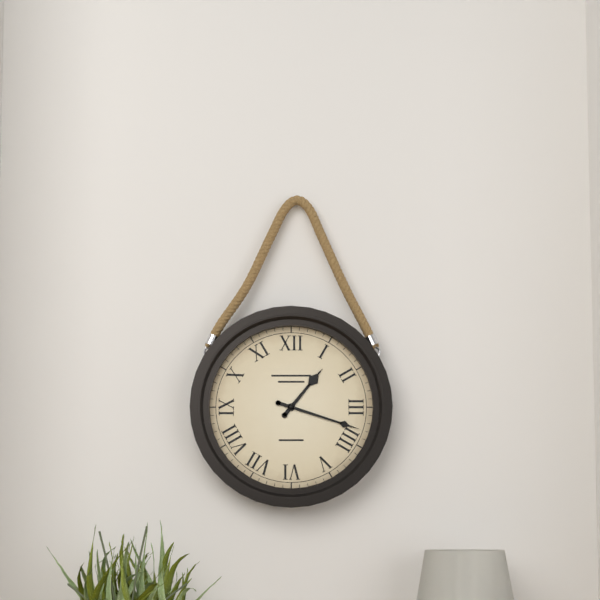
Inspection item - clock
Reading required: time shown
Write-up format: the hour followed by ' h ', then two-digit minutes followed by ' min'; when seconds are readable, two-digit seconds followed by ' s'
1 h 18 min
